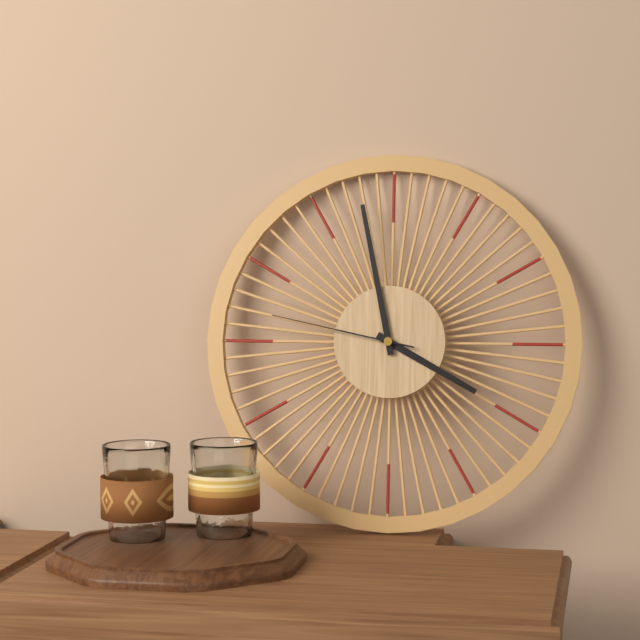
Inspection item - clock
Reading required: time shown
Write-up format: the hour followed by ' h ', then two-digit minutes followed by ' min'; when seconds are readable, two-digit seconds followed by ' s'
3 h 58 min 47 s
